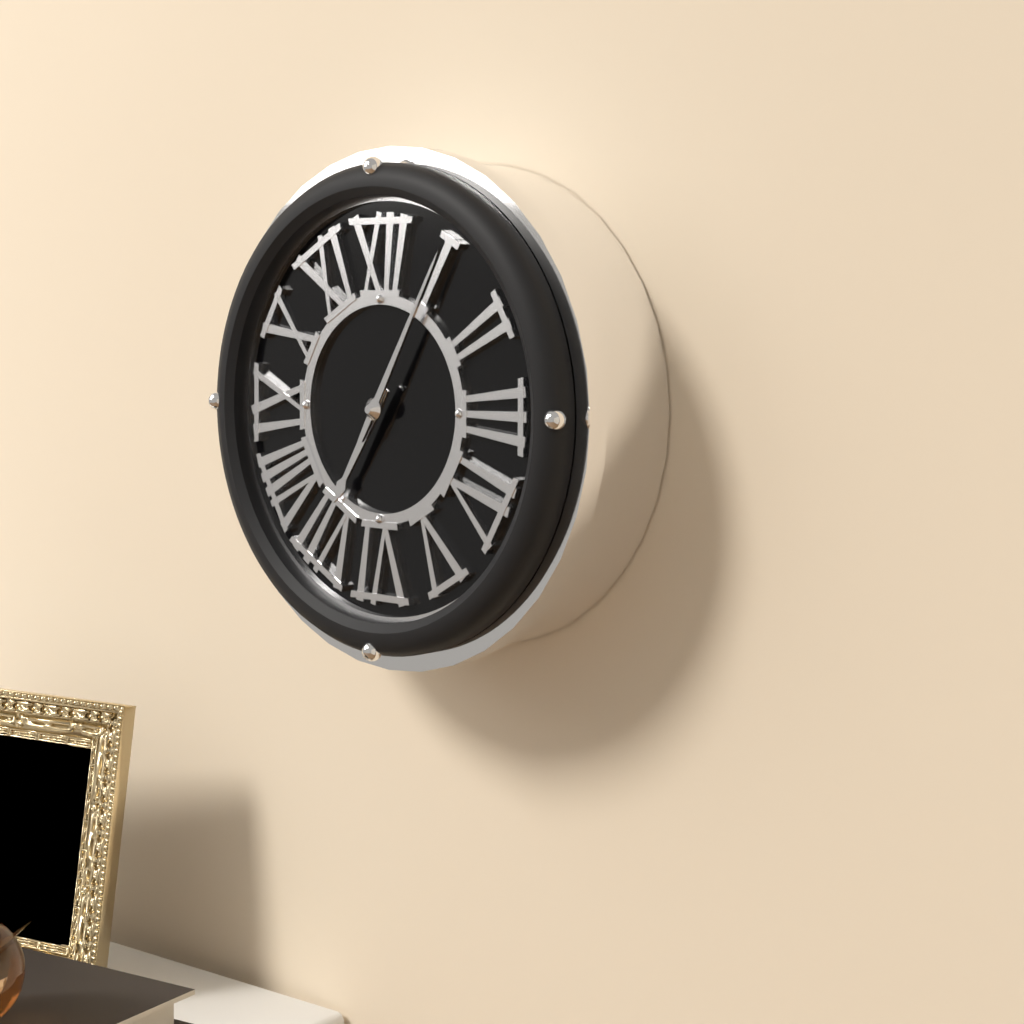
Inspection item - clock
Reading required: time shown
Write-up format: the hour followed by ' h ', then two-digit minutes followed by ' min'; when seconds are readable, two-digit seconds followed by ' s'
7 h 05 min
